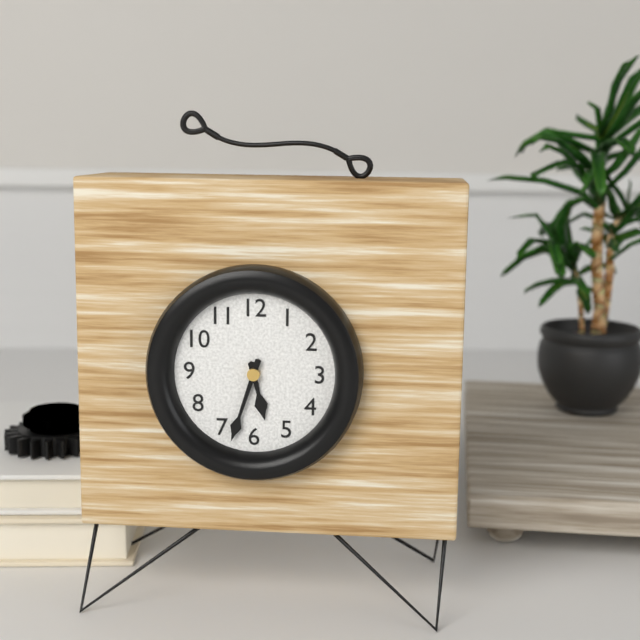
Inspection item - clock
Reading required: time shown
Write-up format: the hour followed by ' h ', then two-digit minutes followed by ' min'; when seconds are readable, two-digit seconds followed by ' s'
5 h 33 min
